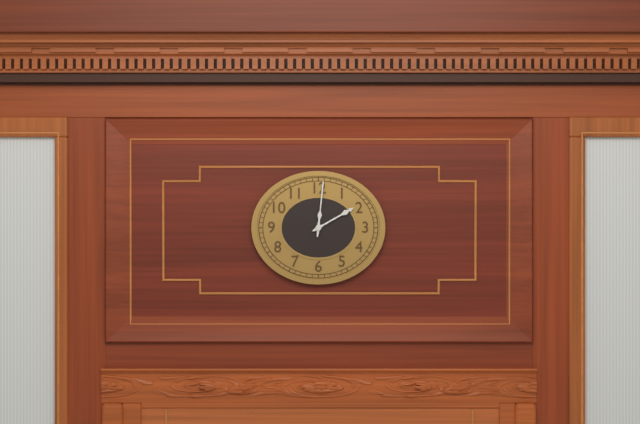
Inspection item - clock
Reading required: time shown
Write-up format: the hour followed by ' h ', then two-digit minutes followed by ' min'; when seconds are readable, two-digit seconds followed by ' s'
2 h 01 min
